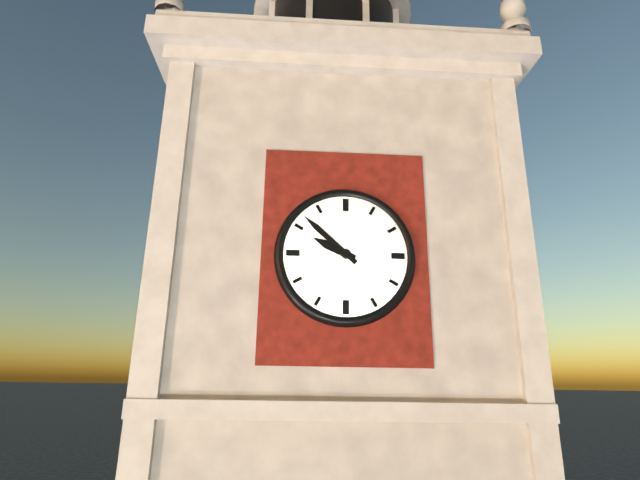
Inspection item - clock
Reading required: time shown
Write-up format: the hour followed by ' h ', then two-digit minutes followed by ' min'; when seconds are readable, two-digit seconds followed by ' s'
9 h 52 min
